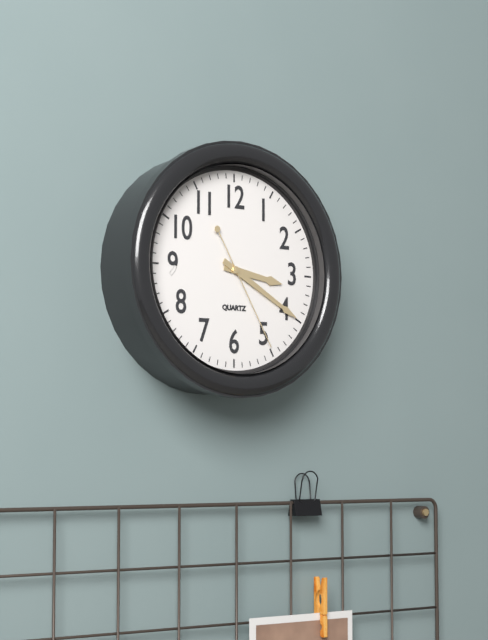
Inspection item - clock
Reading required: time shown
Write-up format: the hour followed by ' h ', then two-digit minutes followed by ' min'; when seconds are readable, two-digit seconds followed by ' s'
3 h 20 min 25 s
